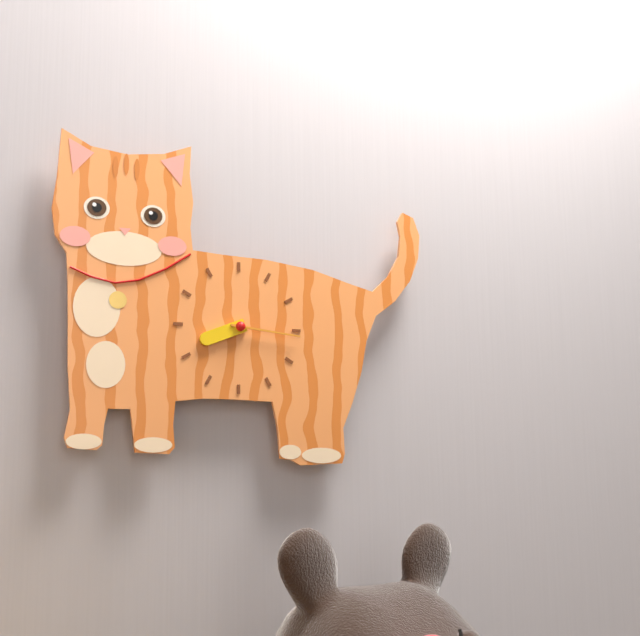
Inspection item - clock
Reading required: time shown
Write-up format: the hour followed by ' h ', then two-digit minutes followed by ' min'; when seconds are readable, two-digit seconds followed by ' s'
8 h 16 min
